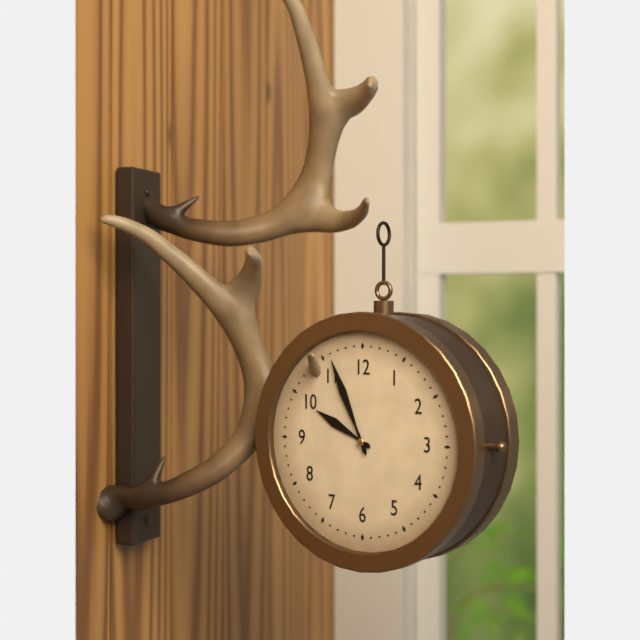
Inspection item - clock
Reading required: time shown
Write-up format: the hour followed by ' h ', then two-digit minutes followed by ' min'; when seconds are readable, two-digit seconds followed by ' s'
9 h 56 min
